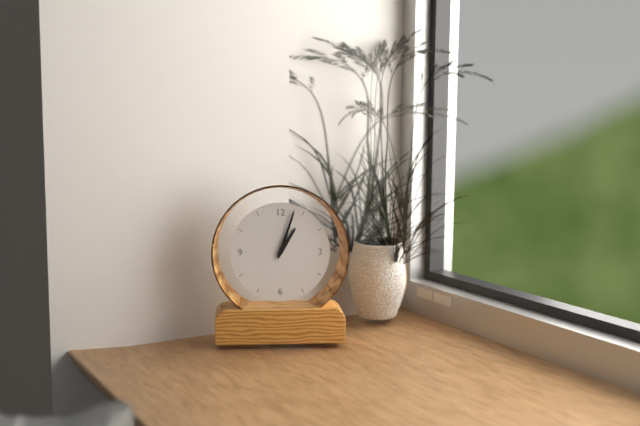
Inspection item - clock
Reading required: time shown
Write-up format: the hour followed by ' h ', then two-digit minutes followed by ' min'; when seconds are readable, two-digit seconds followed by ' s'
1 h 03 min
